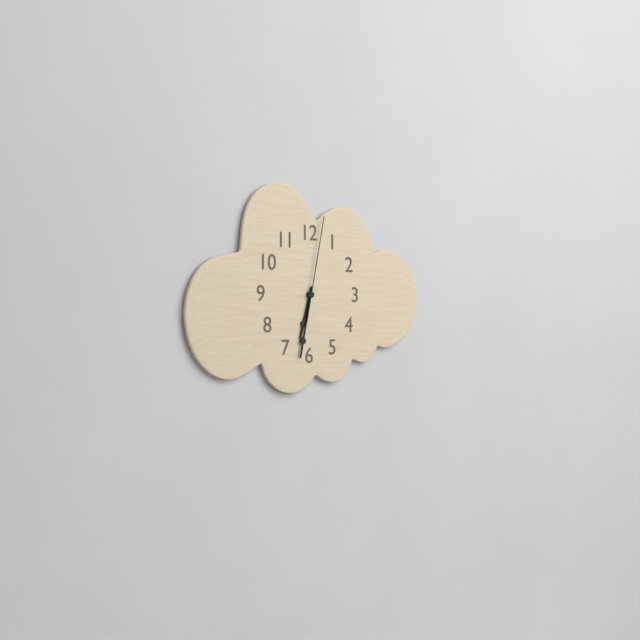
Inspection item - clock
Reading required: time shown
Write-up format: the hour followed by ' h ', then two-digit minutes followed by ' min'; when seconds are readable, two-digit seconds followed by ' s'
6 h 32 min 02 s
